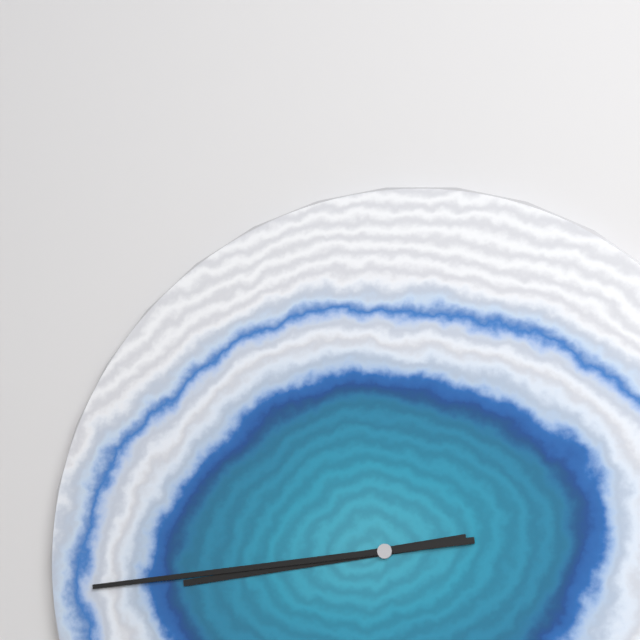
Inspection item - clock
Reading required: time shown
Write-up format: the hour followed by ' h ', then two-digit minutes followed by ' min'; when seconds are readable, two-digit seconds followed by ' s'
8 h 44 min
